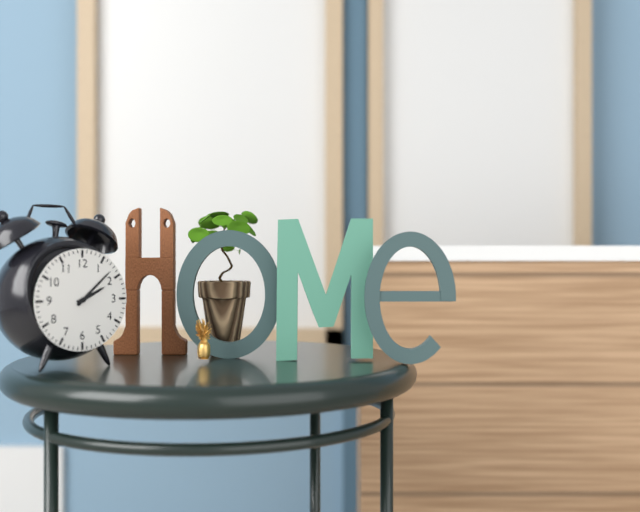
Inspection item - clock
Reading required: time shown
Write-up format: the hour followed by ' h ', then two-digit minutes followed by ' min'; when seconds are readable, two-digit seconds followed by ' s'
2 h 08 min
